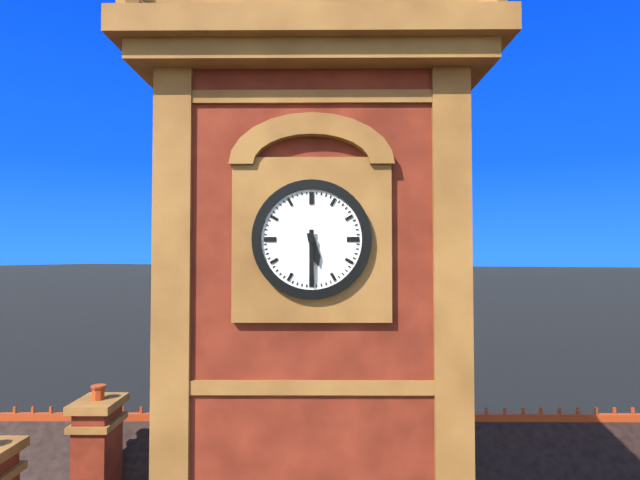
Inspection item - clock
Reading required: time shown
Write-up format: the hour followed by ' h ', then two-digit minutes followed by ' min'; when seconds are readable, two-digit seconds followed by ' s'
5 h 30 min
